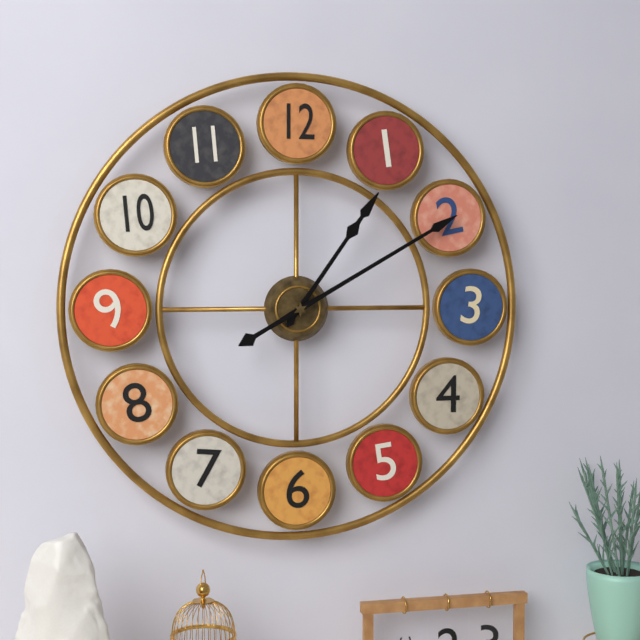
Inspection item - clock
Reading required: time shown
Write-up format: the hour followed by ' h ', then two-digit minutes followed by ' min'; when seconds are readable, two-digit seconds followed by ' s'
1 h 10 min
